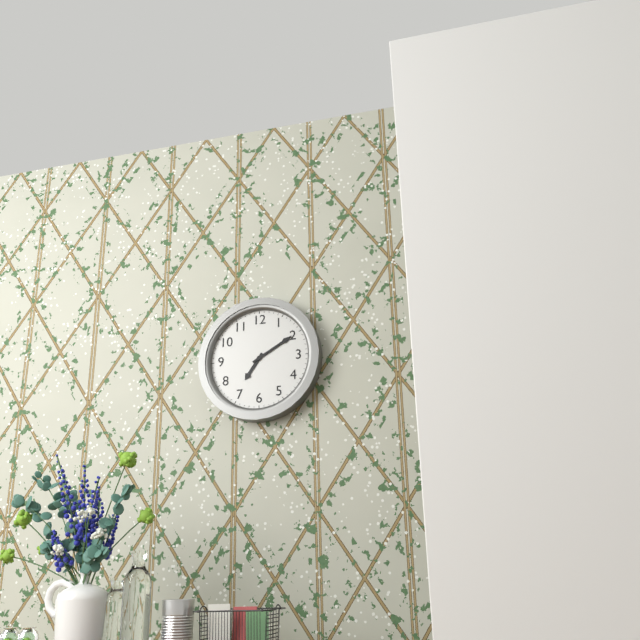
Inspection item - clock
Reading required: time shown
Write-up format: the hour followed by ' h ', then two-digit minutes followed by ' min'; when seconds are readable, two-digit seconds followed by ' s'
7 h 10 min
